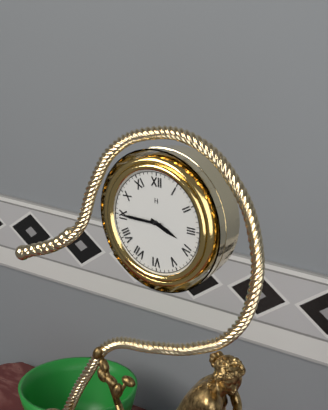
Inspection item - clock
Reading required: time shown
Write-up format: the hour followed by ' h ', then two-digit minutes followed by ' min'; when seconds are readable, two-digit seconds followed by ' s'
3 h 45 min
